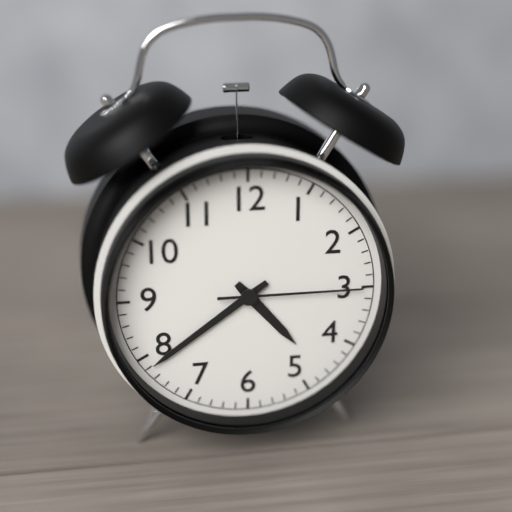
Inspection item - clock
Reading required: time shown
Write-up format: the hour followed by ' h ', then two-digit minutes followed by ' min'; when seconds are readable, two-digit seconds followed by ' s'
4 h 39 min 15 s
